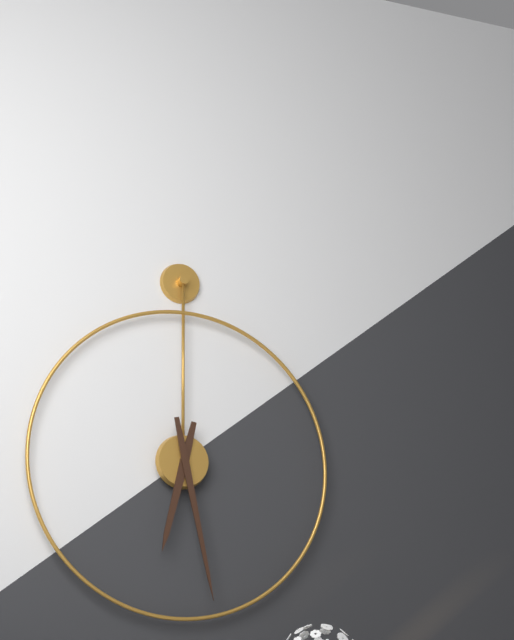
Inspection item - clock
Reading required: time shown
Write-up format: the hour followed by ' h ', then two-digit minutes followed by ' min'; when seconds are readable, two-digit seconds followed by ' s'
6 h 28 min
